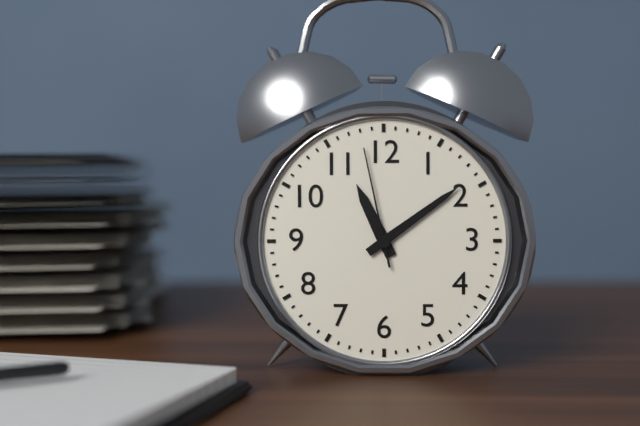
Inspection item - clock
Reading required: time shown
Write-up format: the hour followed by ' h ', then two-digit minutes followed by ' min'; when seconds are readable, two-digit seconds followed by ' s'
11 h 09 min 58 s
